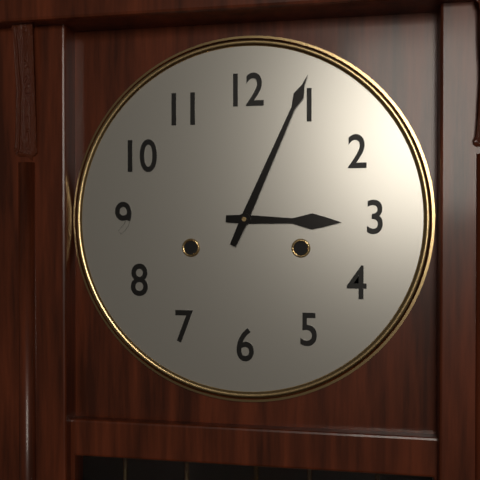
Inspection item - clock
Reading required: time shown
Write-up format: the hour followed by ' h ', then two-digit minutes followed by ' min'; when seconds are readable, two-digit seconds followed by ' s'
3 h 04 min
